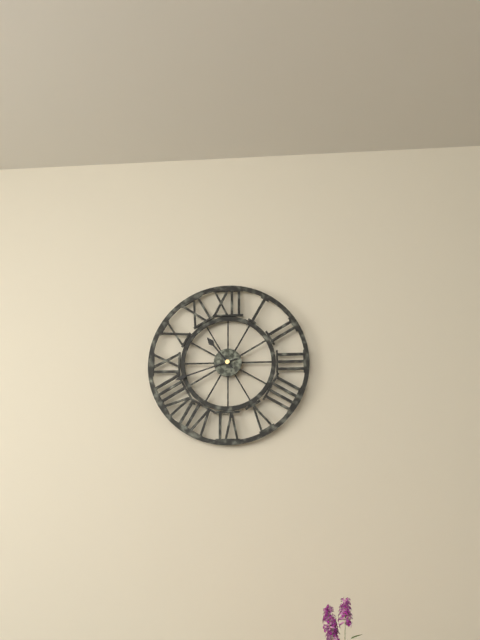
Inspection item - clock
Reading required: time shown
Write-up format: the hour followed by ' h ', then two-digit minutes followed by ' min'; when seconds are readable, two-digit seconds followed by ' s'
10 h 42 min
